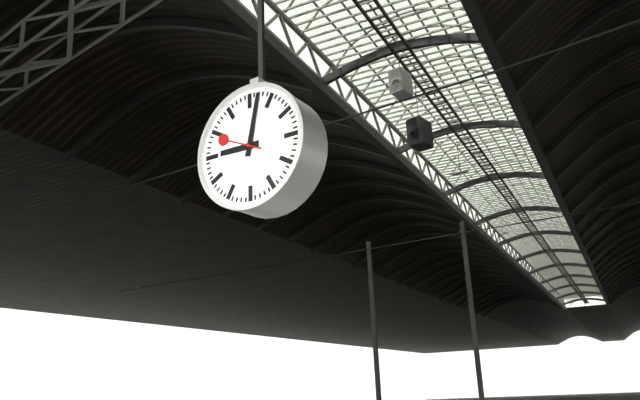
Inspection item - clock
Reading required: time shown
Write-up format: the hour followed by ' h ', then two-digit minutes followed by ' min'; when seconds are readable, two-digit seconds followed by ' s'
9 h 02 min
